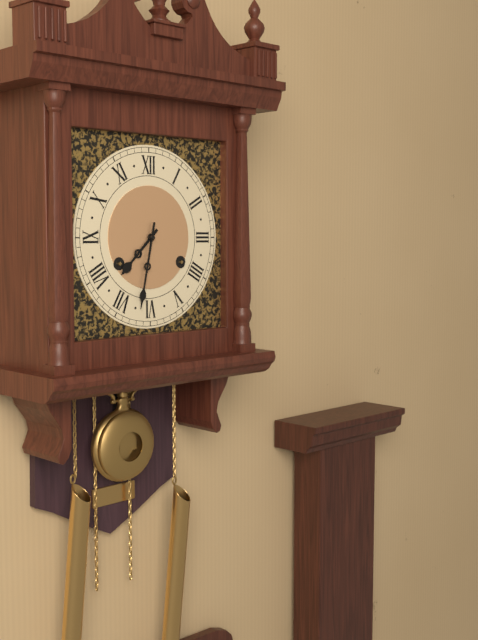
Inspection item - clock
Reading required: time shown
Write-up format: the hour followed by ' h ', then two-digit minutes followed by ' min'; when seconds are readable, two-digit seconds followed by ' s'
7 h 32 min
